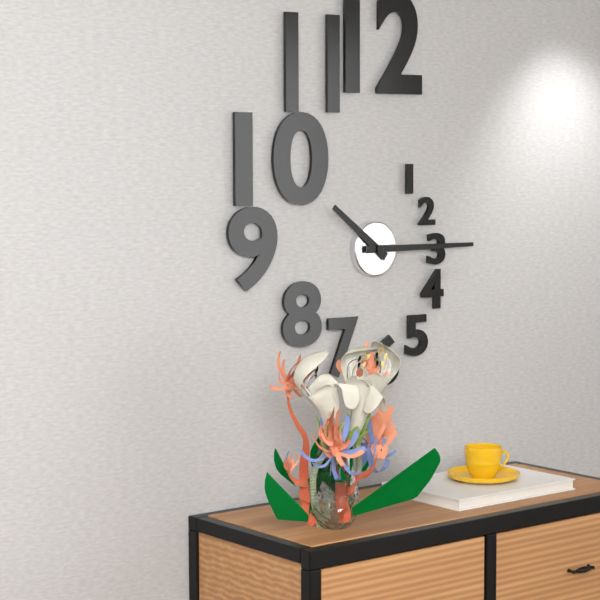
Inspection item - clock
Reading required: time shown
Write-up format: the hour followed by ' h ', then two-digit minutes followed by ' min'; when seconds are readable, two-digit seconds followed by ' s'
10 h 15 min
